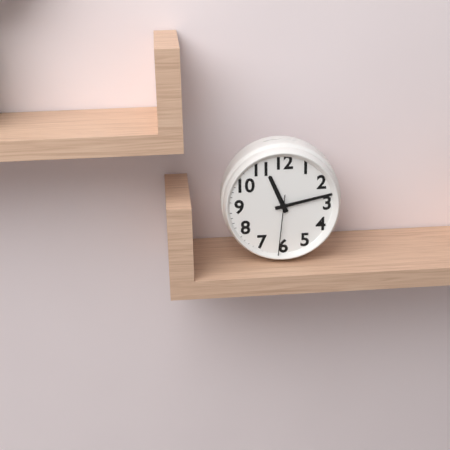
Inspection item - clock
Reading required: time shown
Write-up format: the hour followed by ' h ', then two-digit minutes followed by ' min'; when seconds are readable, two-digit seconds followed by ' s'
11 h 13 min 31 s
